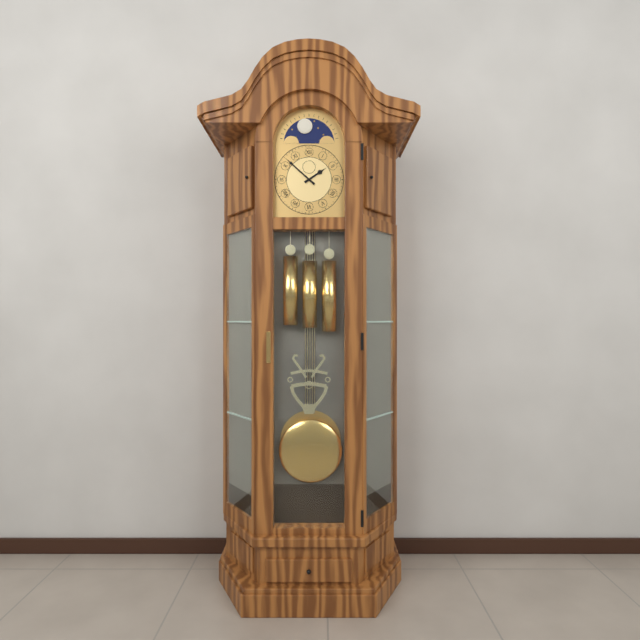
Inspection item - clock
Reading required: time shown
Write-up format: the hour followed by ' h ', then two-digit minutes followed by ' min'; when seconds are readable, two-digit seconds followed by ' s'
1 h 52 min
